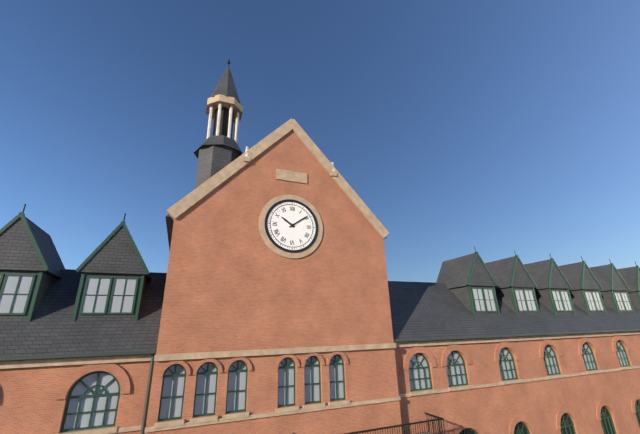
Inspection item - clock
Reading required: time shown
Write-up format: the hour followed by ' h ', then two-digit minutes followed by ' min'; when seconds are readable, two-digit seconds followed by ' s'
10 h 09 min
